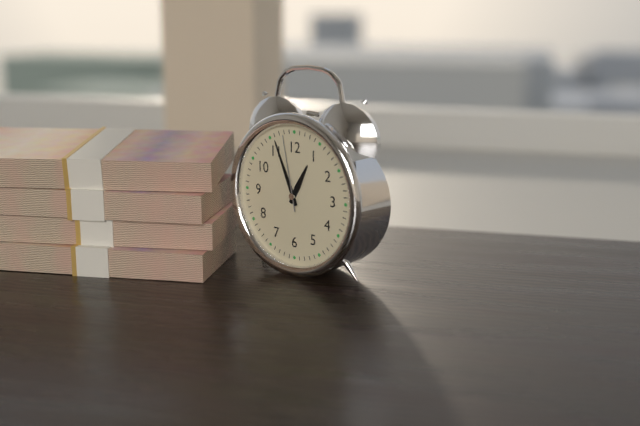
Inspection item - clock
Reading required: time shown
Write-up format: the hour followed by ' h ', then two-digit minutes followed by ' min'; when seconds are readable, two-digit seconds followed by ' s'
12 h 56 min 58 s
